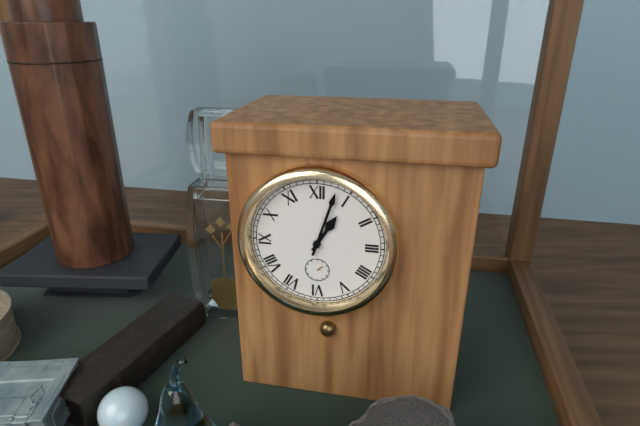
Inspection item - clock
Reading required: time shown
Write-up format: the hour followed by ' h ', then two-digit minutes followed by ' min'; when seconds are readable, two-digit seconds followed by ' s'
1 h 03 min
